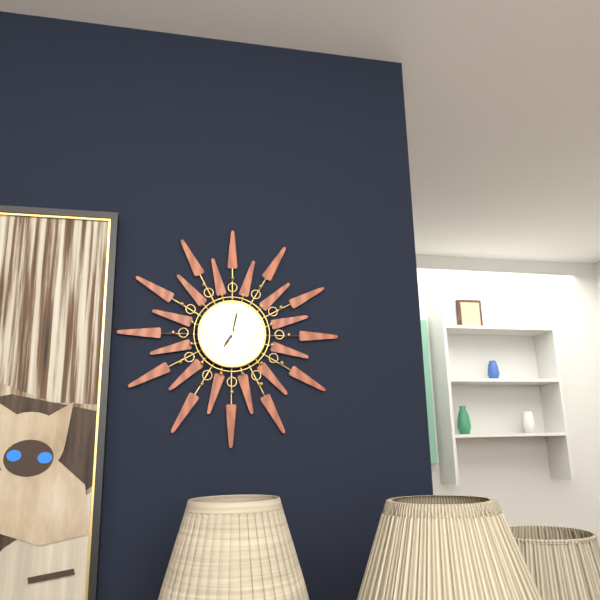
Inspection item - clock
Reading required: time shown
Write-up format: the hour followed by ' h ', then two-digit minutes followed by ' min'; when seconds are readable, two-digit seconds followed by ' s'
7 h 02 min
